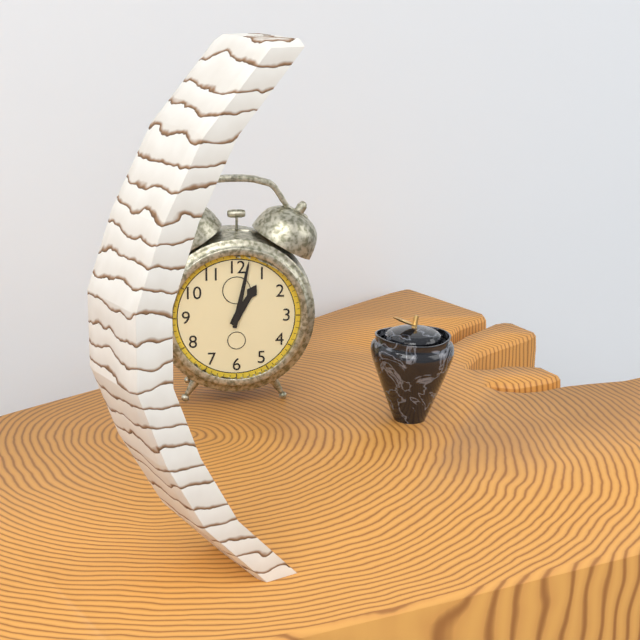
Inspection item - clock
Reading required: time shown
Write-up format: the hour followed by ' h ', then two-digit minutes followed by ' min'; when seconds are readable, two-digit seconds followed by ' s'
1 h 02 min
